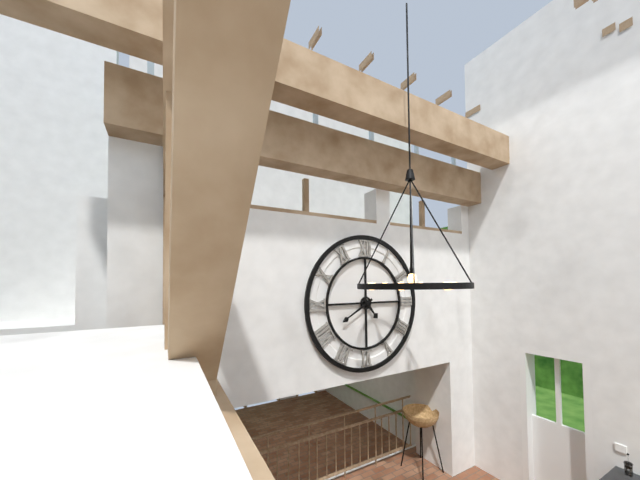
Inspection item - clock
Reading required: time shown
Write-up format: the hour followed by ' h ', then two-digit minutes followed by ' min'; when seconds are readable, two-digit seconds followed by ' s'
4 h 40 min
